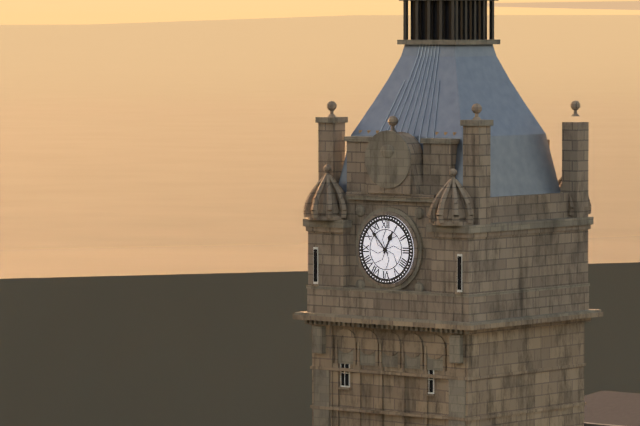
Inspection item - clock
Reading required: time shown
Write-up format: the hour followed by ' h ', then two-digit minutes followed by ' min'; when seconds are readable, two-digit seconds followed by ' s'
12 h 53 min
